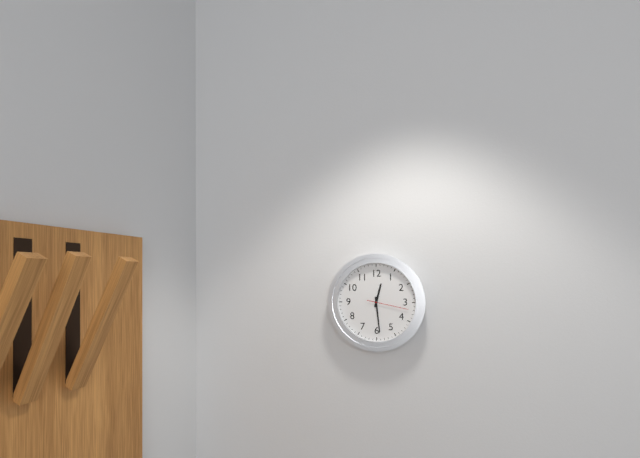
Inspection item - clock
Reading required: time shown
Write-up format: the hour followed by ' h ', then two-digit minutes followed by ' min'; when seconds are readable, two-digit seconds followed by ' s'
12 h 29 min
